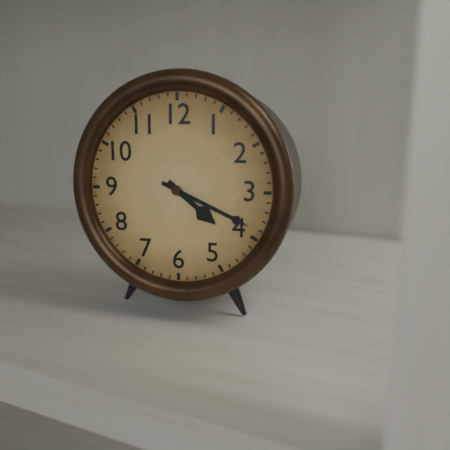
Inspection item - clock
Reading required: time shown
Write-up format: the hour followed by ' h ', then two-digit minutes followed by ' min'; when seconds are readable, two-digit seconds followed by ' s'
4 h 19 min
